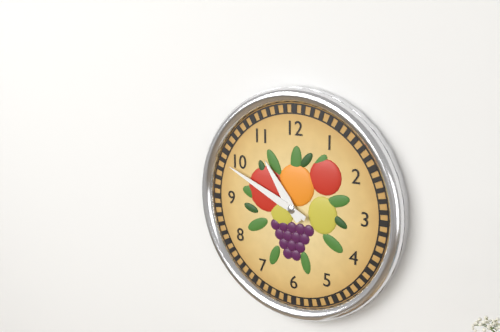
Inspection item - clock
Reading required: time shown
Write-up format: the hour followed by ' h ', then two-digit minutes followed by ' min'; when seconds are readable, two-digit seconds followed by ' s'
10 h 49 min
